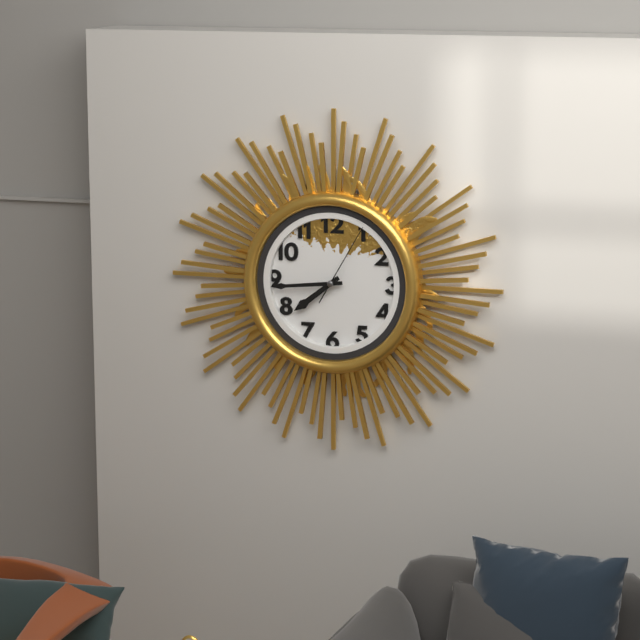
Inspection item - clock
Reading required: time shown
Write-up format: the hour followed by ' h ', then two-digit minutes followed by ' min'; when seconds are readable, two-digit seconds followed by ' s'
7 h 44 min 05 s
